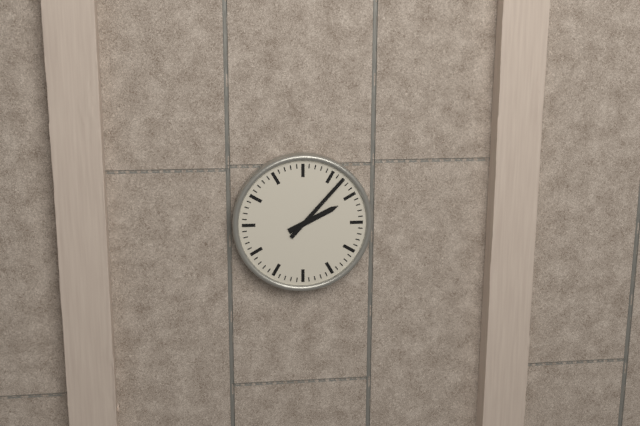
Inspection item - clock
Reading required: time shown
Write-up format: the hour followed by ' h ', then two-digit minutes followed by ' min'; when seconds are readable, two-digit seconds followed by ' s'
2 h 07 min
